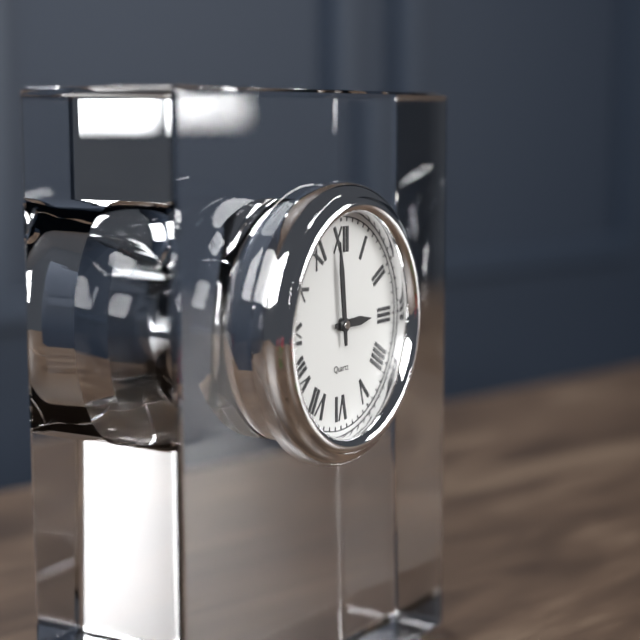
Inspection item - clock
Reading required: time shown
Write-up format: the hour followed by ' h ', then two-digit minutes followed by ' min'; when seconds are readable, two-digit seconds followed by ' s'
2 h 59 min
